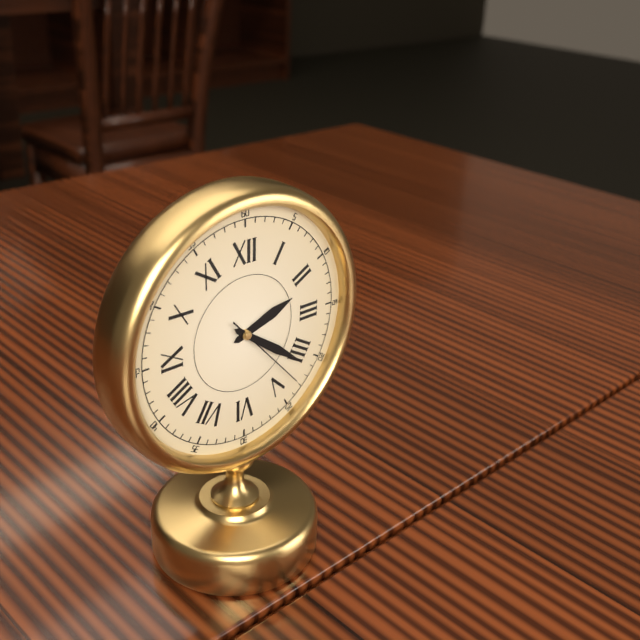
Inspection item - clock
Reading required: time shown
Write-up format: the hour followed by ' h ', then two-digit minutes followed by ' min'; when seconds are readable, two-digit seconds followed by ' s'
2 h 21 min 23 s
